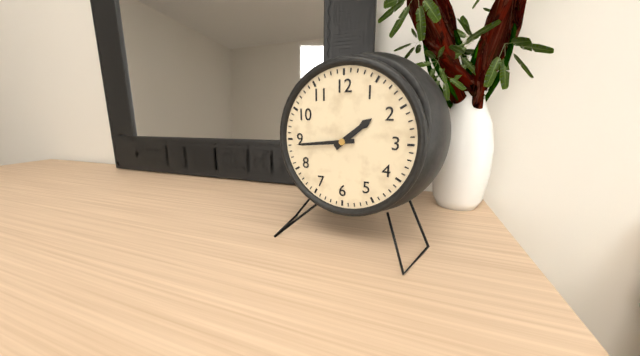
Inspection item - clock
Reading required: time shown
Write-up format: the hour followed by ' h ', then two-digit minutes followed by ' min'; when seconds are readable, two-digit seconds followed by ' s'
1 h 44 min
